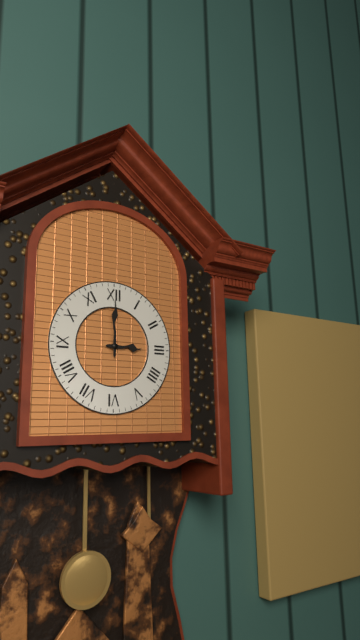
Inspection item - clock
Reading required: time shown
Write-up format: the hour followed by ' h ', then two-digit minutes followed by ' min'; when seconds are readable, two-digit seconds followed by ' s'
3 h 00 min
